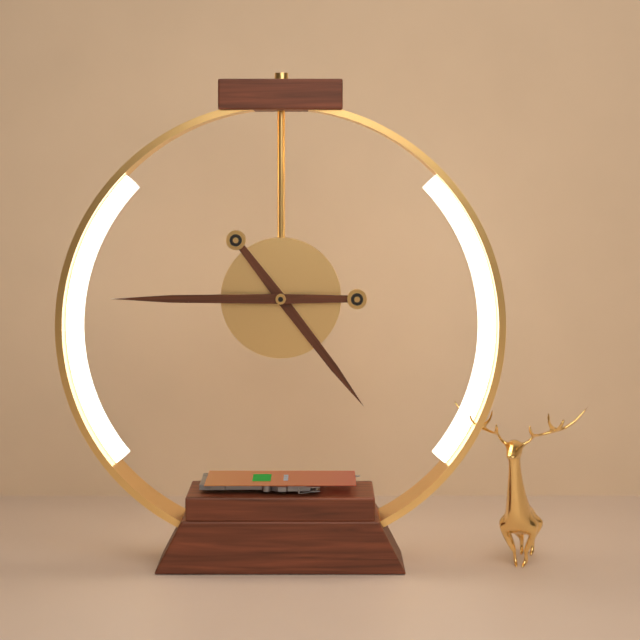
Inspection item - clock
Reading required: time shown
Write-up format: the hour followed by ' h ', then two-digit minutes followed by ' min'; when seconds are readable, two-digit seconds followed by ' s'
4 h 45 min
